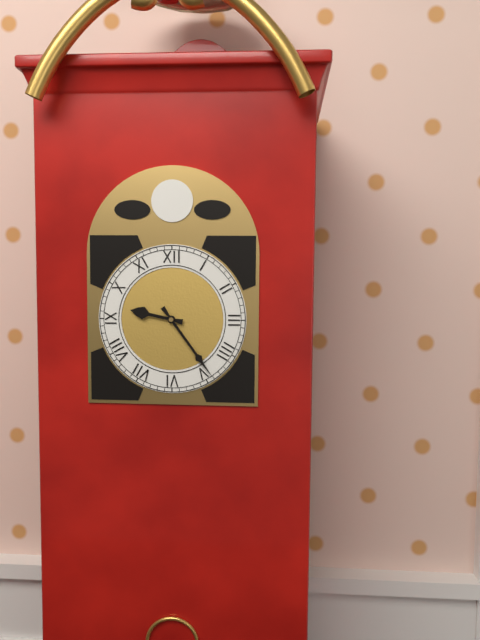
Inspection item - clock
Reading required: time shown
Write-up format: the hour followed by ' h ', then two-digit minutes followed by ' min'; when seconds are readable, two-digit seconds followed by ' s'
9 h 24 min
